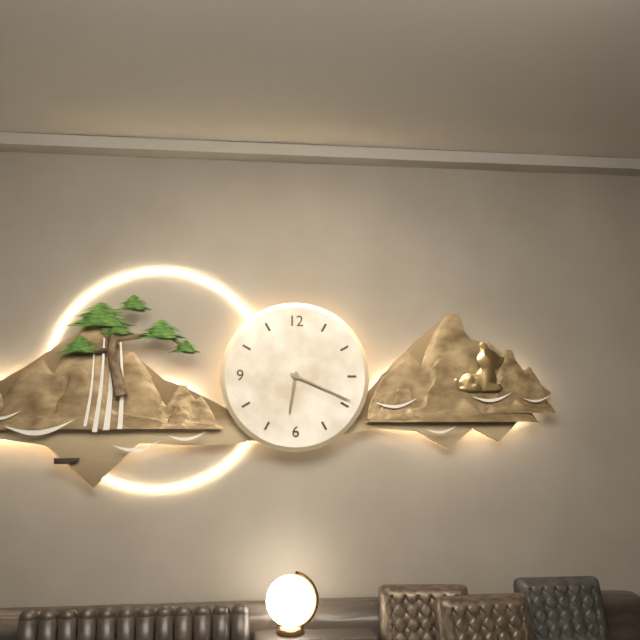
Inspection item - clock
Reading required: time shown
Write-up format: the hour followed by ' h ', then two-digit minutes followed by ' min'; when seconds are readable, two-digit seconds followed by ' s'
6 h 19 min
